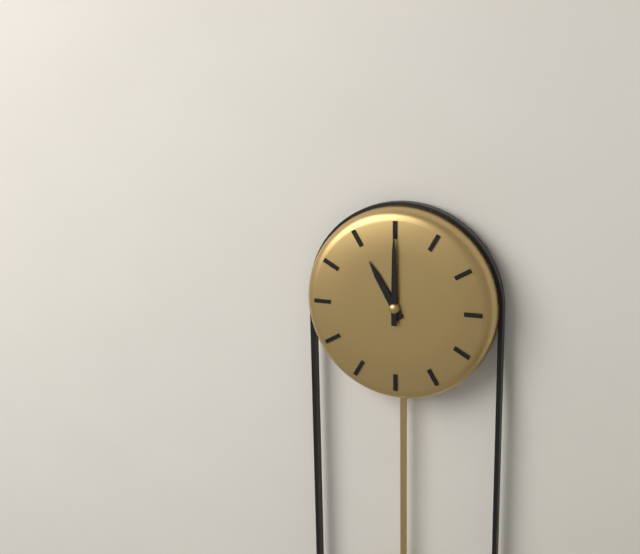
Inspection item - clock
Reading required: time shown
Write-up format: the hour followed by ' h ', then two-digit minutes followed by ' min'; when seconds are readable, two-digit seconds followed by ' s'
11 h 00 min
